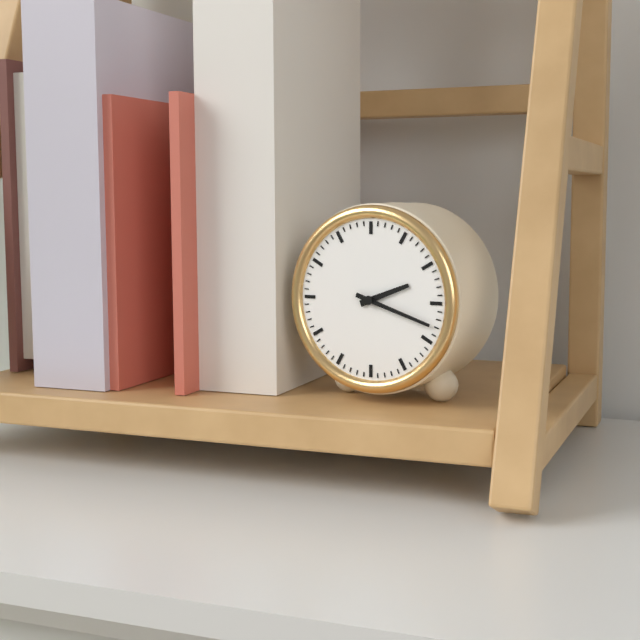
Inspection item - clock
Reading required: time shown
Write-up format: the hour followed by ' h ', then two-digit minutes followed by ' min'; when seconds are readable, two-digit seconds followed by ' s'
2 h 18 min
